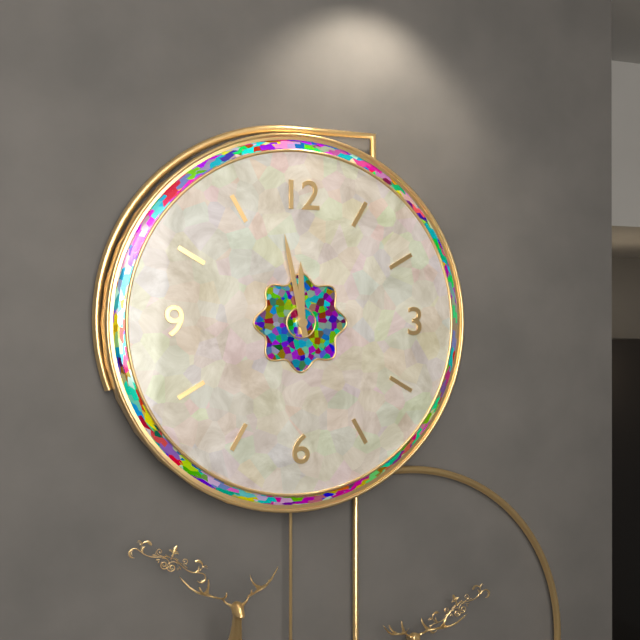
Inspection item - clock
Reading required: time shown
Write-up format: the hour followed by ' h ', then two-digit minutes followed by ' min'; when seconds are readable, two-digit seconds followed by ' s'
11 h 58 min
